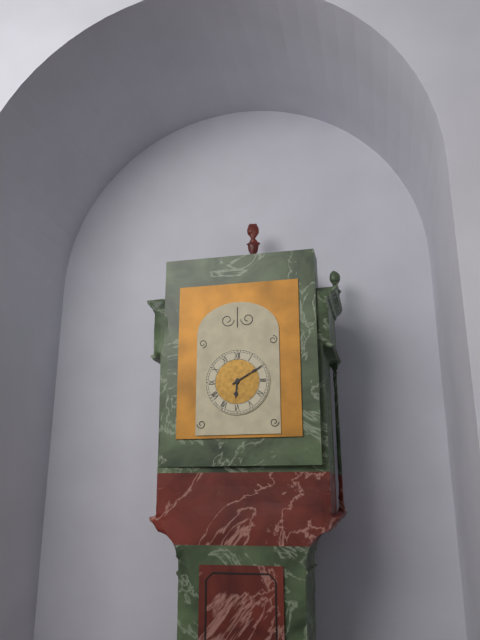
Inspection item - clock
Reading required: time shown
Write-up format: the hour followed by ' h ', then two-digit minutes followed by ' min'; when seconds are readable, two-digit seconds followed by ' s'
6 h 10 min
